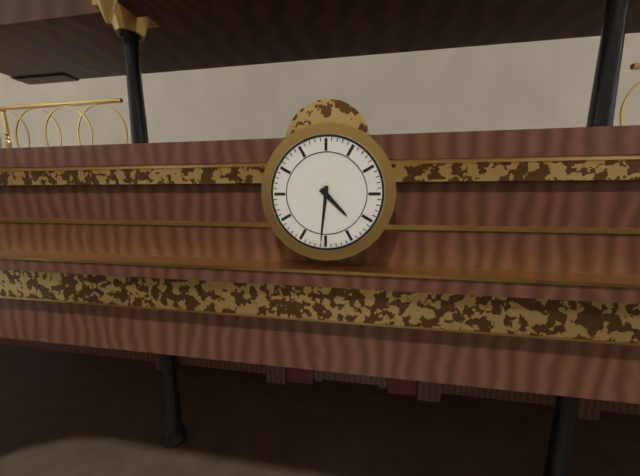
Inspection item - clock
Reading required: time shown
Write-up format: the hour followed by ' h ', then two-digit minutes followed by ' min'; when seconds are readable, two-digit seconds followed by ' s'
4 h 31 min
